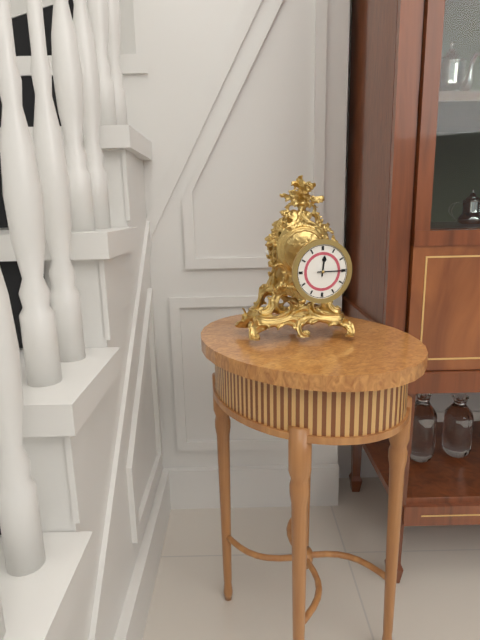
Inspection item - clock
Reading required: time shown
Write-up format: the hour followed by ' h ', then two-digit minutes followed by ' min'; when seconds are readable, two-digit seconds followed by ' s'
12 h 15 min
